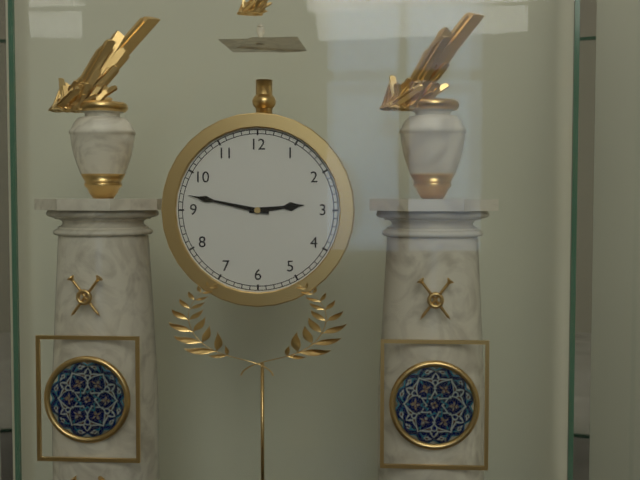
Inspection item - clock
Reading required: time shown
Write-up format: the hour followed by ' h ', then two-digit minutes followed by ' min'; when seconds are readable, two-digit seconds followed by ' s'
2 h 47 min
